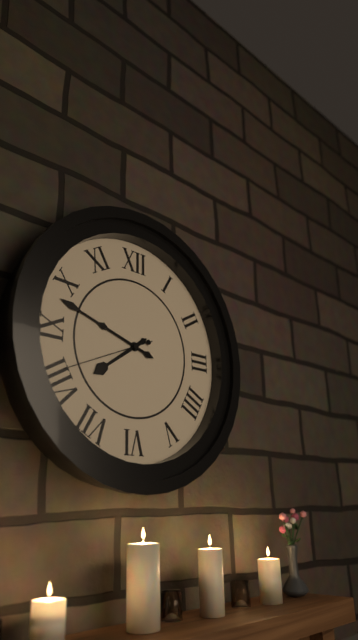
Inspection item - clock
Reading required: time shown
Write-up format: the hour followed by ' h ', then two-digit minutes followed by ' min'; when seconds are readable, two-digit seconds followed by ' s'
7 h 48 min 41 s
